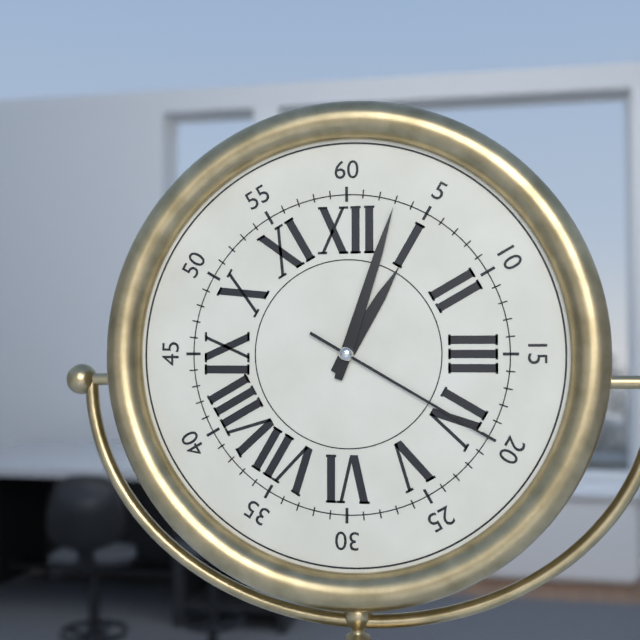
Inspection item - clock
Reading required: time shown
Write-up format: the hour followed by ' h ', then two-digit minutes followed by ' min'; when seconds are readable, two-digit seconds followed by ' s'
1 h 03 min 20 s
